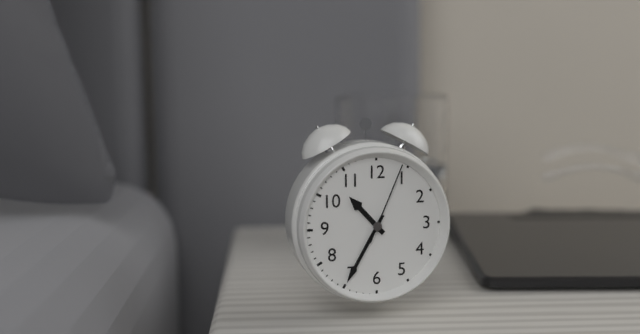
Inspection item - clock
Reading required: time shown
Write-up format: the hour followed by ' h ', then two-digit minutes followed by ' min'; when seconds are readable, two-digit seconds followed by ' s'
10 h 35 min 04 s
